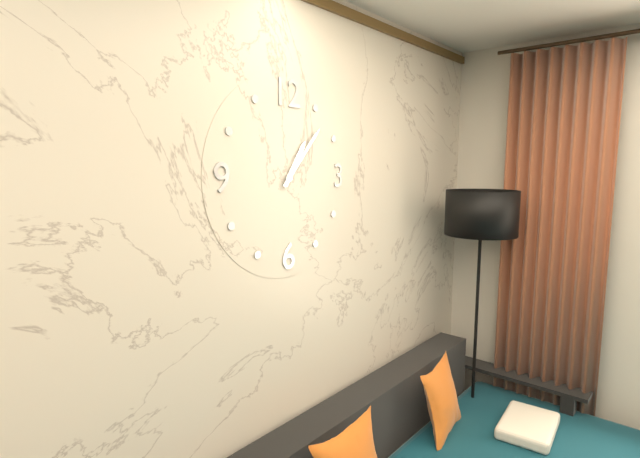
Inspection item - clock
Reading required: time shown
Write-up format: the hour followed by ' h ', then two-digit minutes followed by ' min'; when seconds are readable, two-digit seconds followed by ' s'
1 h 07 min
